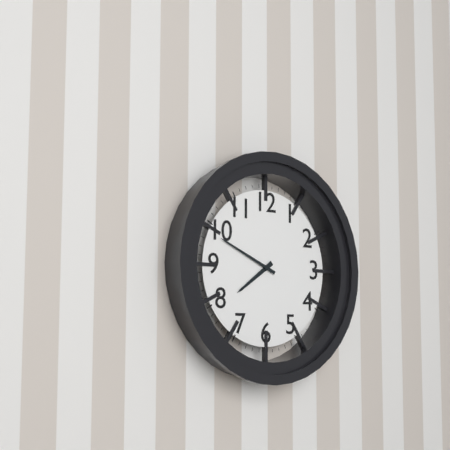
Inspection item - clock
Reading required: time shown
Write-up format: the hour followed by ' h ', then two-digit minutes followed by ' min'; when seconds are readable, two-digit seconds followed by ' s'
7 h 49 min
